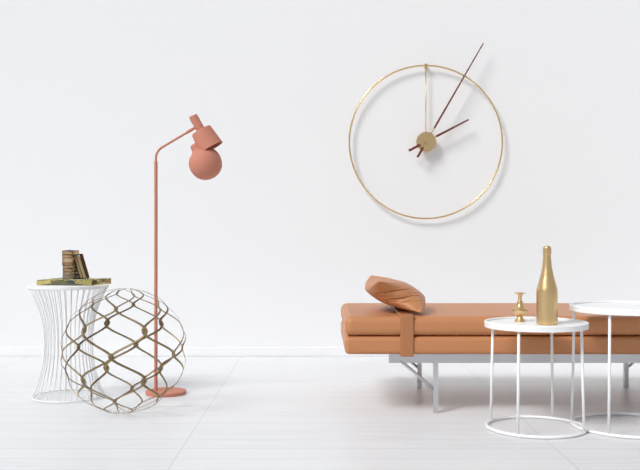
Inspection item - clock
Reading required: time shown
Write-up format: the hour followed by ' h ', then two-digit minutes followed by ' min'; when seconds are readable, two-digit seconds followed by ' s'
2 h 05 min
